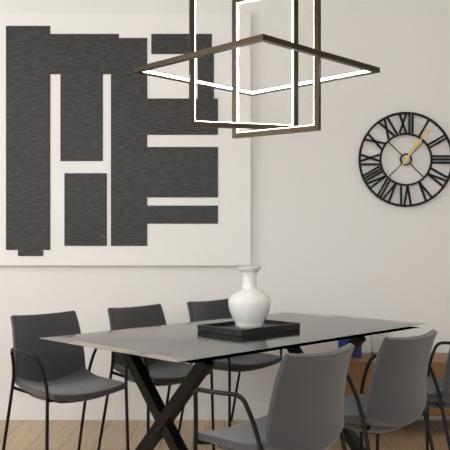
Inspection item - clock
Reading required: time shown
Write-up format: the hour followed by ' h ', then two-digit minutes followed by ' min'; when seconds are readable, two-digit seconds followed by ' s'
1 h 06 min
